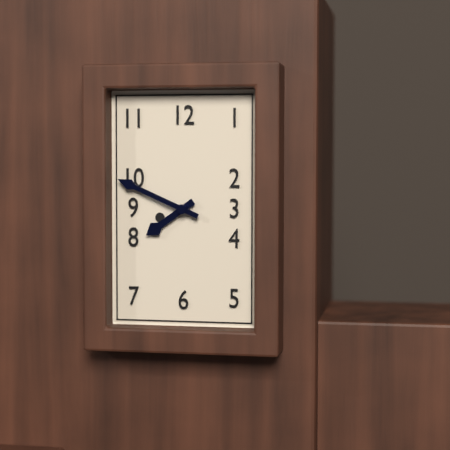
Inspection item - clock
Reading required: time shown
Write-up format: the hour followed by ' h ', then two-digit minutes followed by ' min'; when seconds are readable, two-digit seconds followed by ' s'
7 h 49 min
